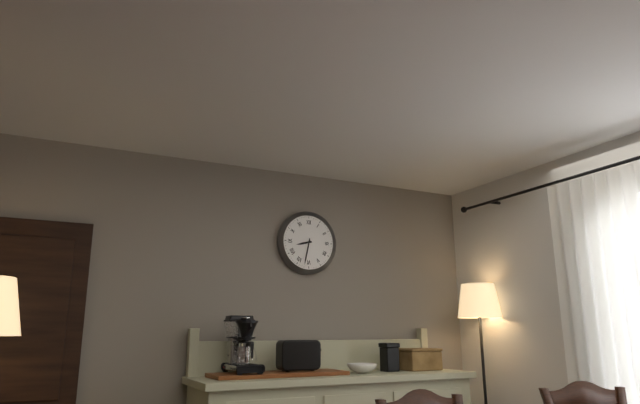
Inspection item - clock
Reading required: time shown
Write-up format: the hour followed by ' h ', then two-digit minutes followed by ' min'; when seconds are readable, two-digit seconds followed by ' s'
8 h 32 min
